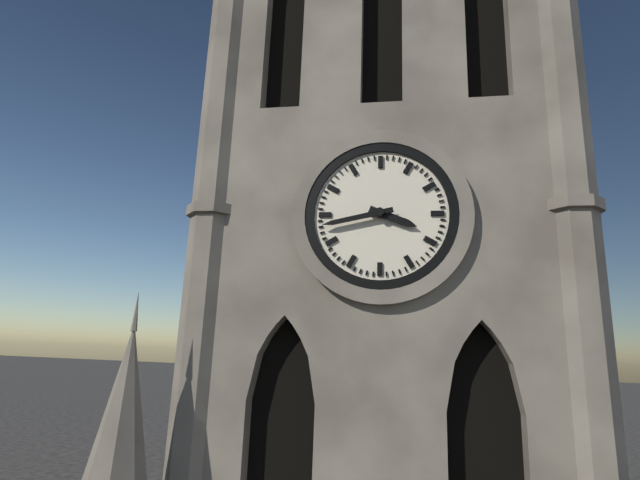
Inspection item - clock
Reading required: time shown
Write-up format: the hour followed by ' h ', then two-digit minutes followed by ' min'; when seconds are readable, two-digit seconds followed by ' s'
3 h 43 min
